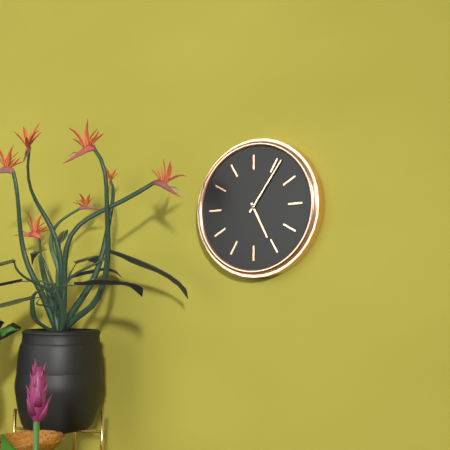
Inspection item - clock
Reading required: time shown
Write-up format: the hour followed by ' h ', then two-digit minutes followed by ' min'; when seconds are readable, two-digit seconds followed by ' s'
5 h 06 min
